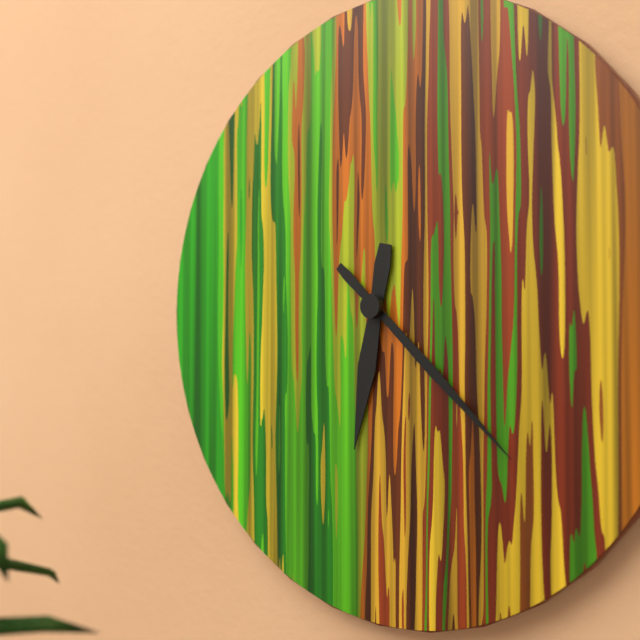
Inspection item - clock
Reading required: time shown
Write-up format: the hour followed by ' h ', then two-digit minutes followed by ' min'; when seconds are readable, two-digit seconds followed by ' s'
6 h 22 min
